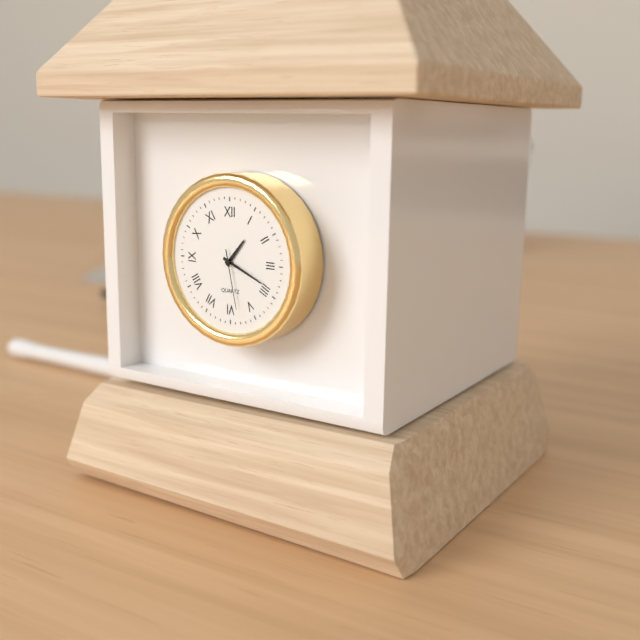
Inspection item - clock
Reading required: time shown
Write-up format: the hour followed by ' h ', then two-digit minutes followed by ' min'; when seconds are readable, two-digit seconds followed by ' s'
1 h 19 min 28 s
